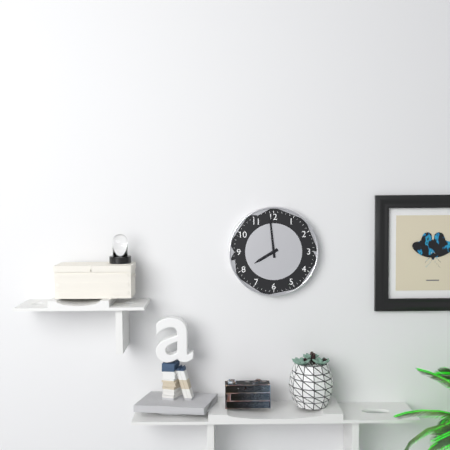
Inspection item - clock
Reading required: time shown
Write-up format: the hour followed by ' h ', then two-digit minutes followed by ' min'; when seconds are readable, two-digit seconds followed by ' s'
7 h 59 min
